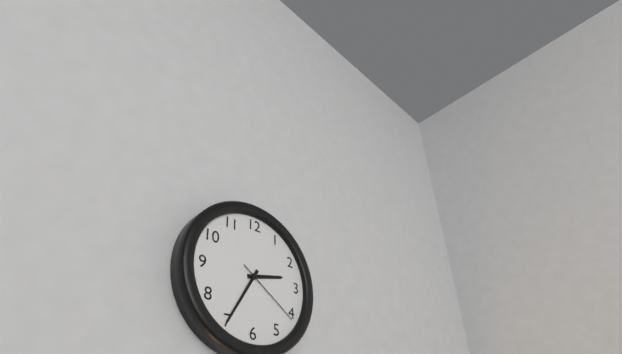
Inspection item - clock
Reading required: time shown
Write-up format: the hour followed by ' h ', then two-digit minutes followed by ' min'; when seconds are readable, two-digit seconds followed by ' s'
2 h 35 min 21 s
